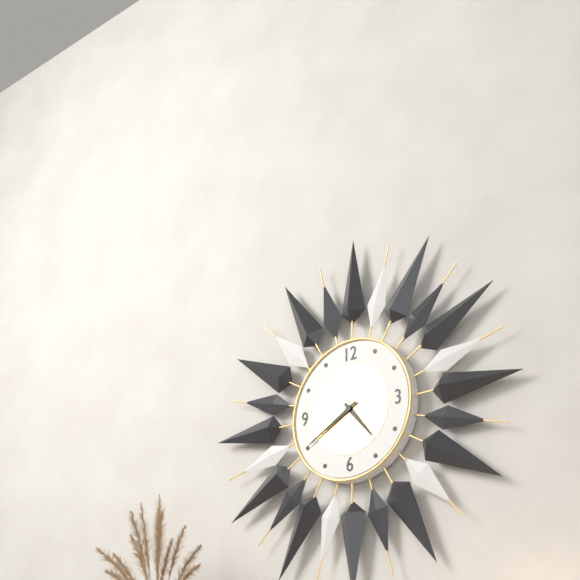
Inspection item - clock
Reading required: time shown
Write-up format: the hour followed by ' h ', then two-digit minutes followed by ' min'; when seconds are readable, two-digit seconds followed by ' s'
4 h 40 min
